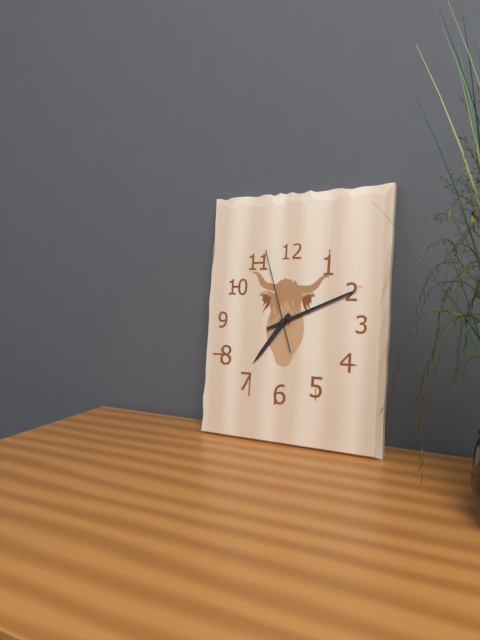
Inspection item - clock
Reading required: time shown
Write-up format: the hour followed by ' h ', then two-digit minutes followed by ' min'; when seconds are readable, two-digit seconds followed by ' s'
7 h 11 min 57 s
